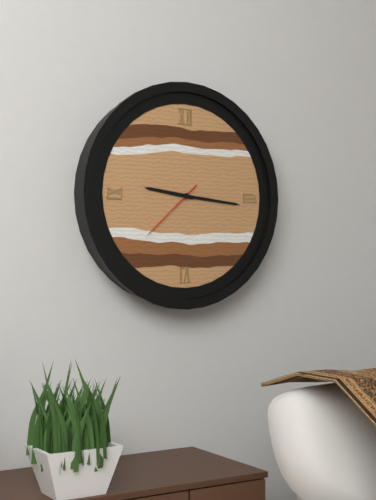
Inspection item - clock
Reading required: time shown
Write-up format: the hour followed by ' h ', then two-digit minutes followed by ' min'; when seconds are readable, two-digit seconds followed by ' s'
9 h 16 min 38 s
